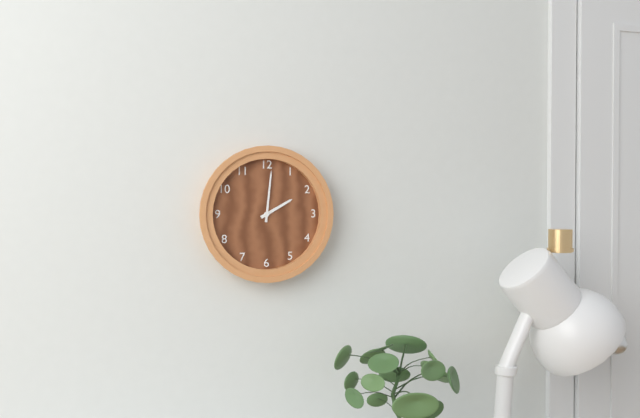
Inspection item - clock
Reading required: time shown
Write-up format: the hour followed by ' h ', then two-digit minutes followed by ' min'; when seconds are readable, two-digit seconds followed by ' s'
2 h 01 min
